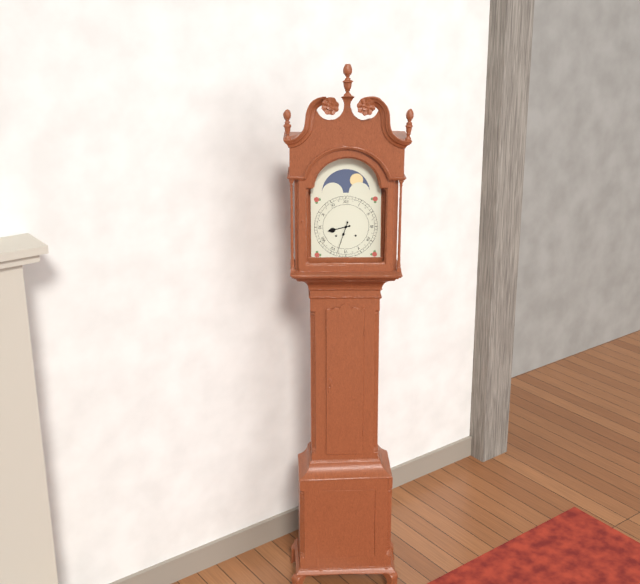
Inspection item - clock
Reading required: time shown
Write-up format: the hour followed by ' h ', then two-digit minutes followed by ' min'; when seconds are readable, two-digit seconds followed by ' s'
8 h 33 min
